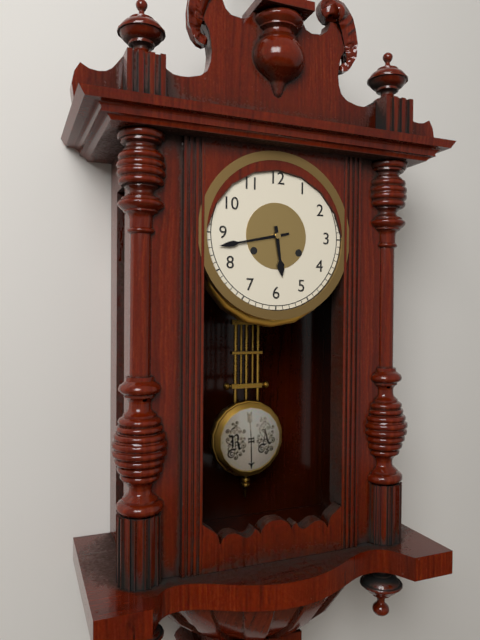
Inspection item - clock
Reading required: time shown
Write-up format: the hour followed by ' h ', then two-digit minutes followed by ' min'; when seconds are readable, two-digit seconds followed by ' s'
5 h 43 min
